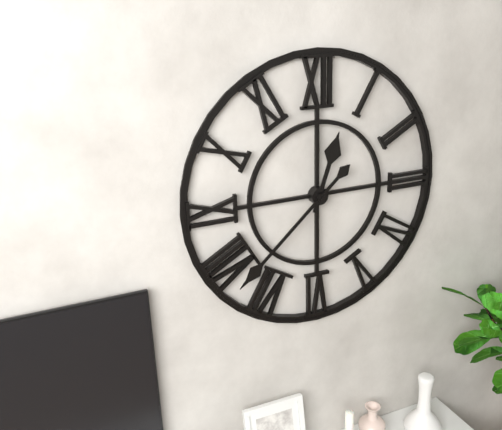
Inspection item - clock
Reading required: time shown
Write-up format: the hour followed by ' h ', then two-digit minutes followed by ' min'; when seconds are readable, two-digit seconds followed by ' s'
12 h 38 min
